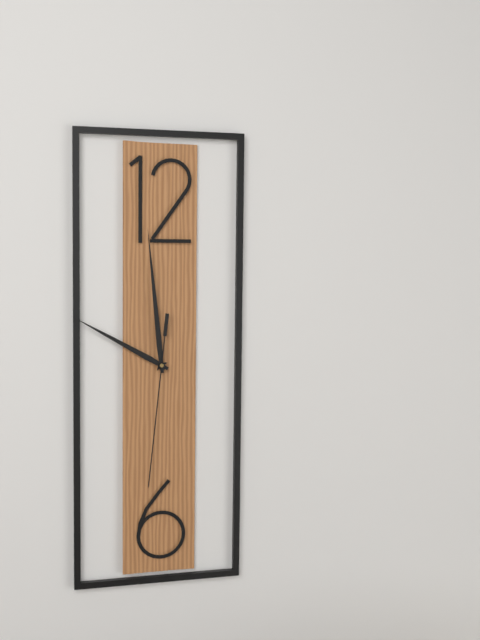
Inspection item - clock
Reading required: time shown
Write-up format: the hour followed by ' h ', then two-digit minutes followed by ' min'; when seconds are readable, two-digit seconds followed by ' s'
9 h 59 min 31 s
